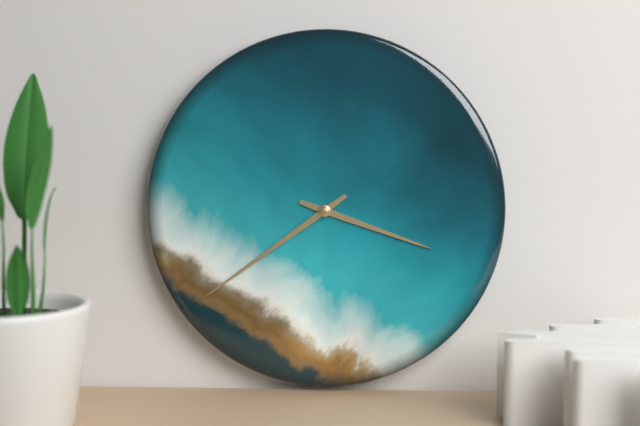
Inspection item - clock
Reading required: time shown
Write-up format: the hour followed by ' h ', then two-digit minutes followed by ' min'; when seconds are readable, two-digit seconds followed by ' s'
3 h 39 min
